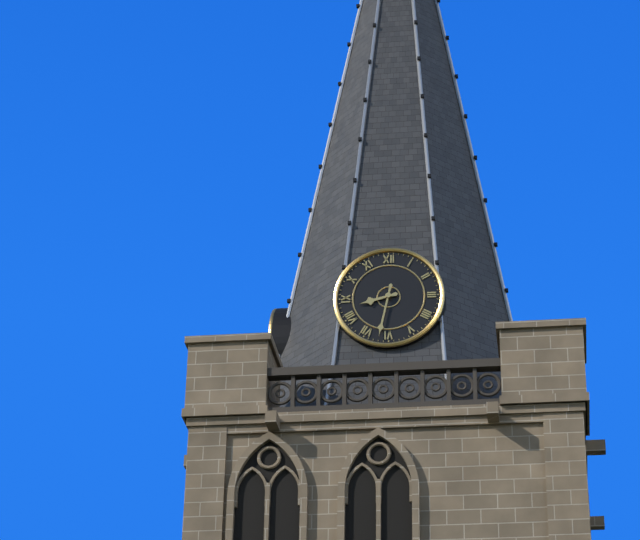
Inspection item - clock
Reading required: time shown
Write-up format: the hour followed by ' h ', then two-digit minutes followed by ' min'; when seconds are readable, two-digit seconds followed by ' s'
8 h 32 min
